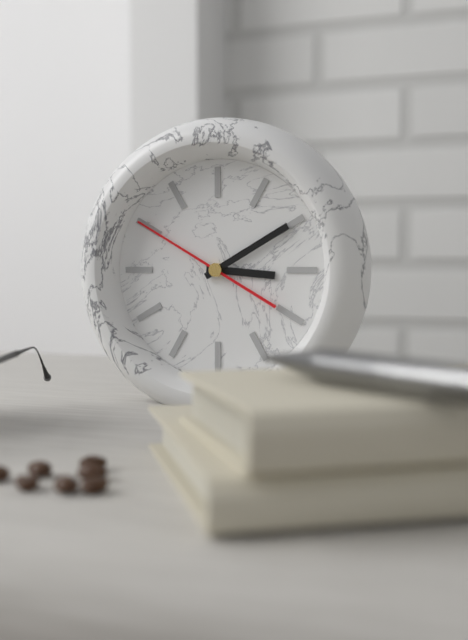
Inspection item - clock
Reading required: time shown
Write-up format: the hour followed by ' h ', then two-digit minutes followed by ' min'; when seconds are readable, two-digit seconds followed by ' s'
3 h 10 min 50 s
